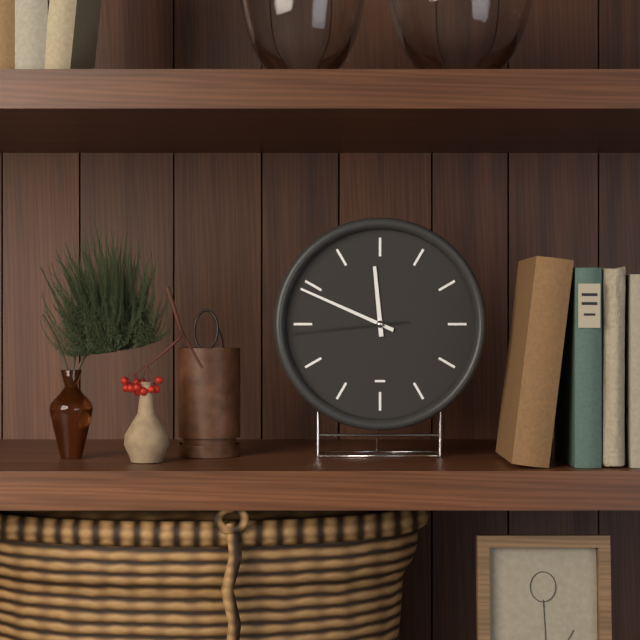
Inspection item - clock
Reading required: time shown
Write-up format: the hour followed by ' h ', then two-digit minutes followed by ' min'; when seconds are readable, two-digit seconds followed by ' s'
11 h 49 min 44 s
